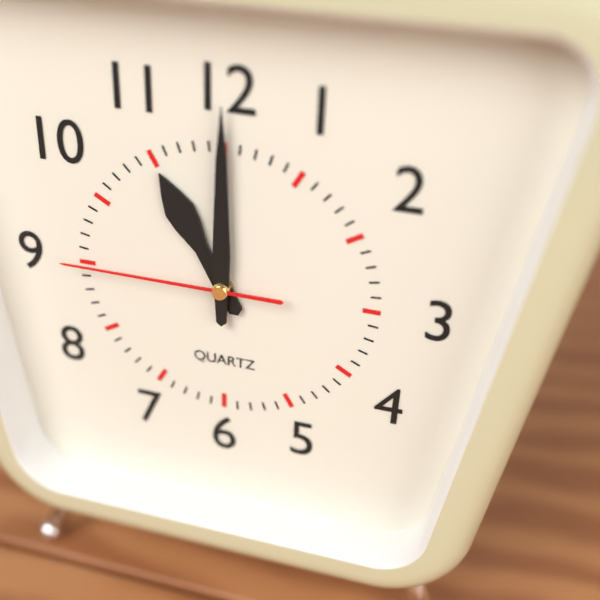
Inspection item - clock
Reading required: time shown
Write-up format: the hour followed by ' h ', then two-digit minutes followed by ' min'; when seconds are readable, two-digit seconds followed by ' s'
11 h 00 min 45 s
